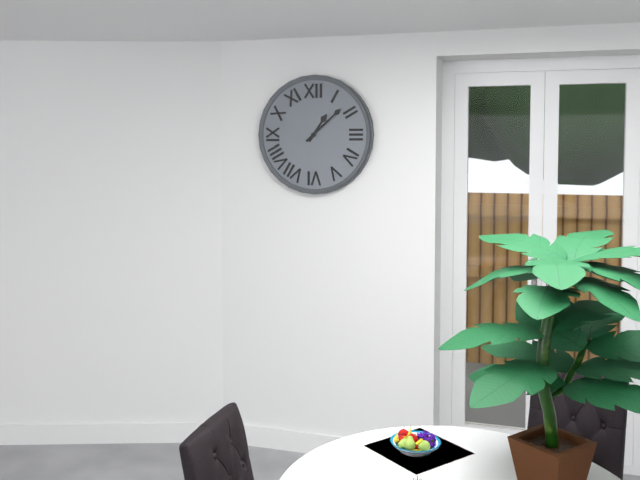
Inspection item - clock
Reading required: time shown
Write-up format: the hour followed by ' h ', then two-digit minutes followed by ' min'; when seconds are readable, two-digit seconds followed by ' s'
1 h 08 min
